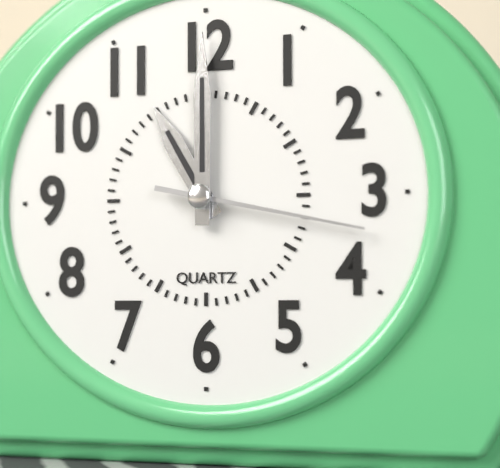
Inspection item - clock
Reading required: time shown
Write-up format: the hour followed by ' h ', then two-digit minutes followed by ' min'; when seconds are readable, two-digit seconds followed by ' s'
11 h 00 min 17 s
